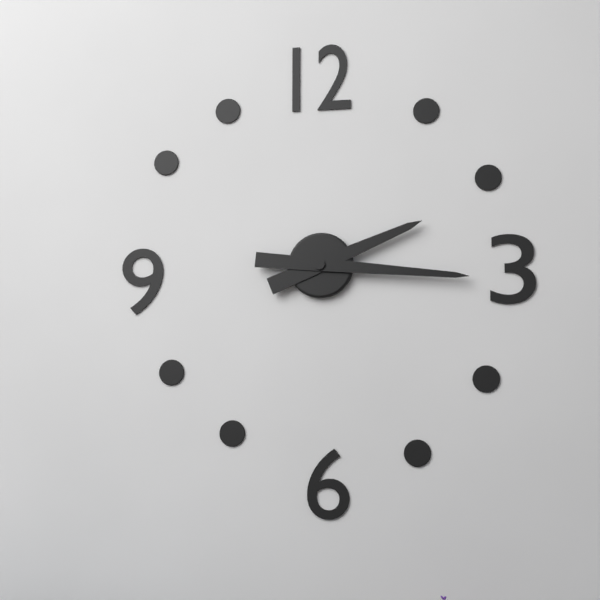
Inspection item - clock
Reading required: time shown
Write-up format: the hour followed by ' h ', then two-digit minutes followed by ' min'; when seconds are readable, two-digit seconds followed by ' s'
2 h 16 min
